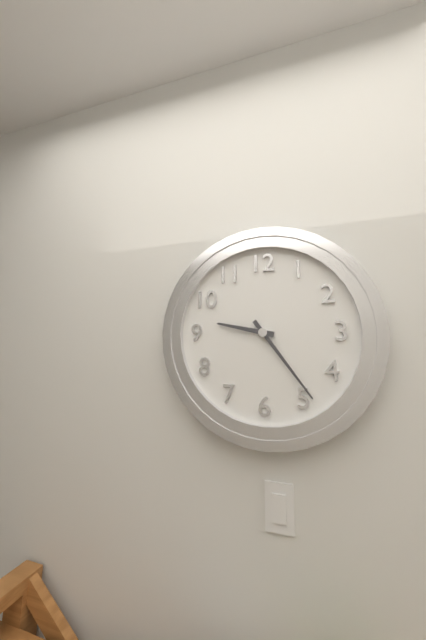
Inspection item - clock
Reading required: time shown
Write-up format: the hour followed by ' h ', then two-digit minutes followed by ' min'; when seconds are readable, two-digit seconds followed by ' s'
9 h 24 min
